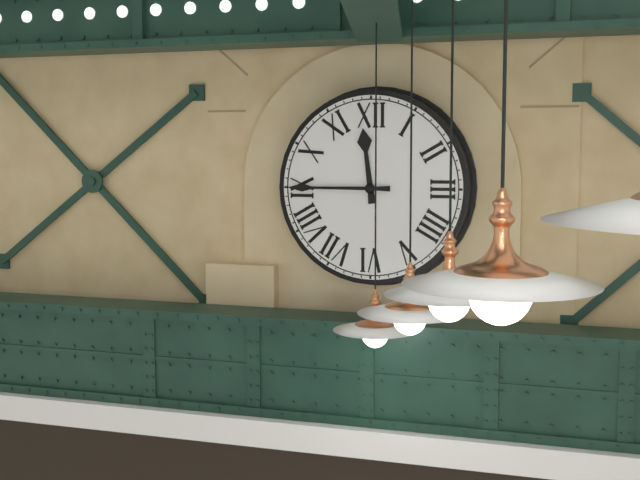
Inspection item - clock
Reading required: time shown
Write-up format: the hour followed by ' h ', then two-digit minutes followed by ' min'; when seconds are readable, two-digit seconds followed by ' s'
11 h 45 min
